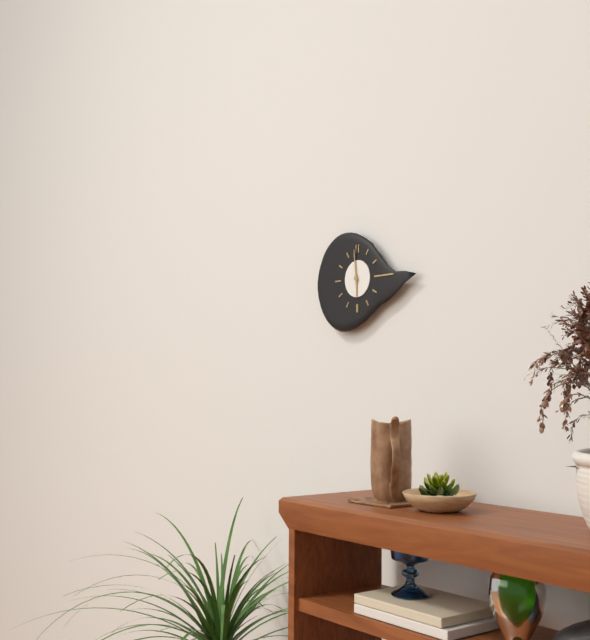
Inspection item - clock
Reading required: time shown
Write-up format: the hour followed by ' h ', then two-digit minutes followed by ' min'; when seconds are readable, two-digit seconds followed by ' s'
5 h 59 min
